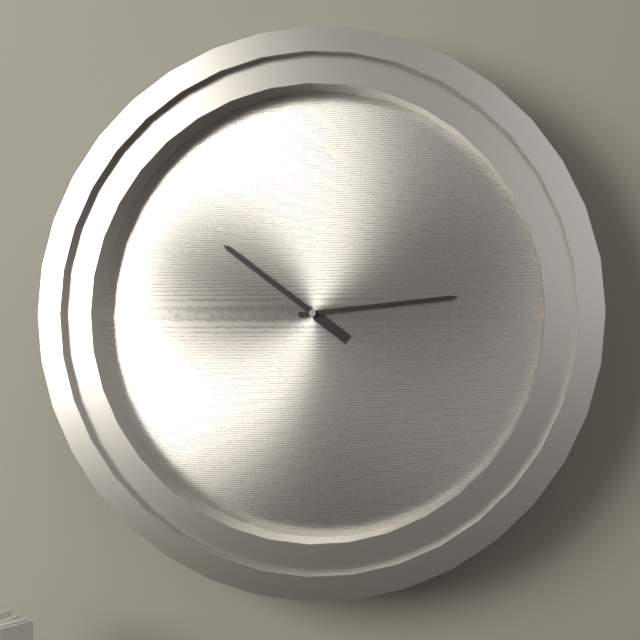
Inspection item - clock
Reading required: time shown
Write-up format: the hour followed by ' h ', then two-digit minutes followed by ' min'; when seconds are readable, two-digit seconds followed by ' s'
10 h 14 min
